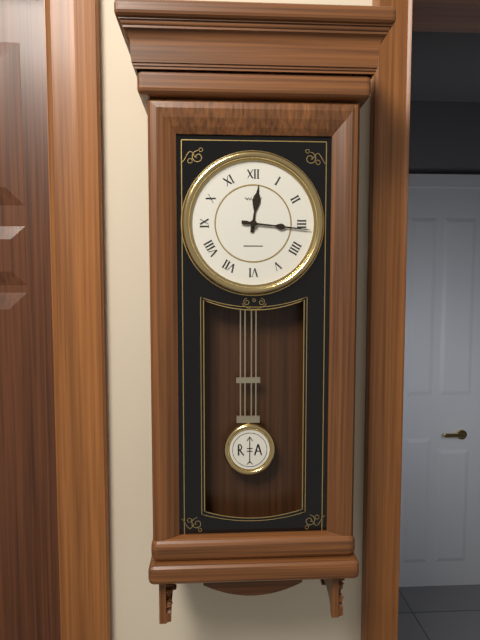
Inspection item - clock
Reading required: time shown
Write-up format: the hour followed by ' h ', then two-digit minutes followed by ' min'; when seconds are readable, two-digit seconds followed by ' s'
12 h 16 min
